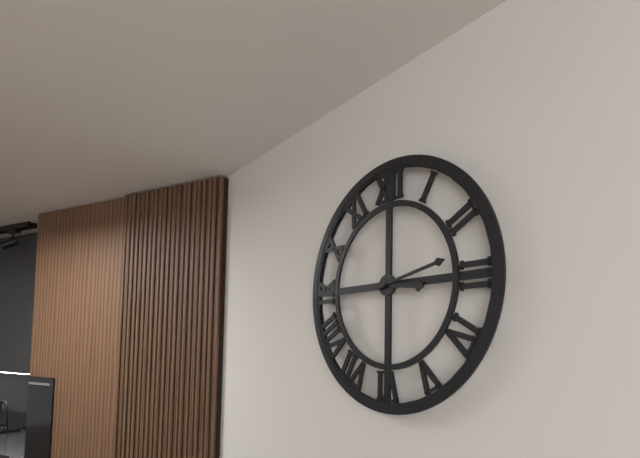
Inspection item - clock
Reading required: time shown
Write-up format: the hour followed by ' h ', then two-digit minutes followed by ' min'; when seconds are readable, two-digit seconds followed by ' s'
3 h 13 min
